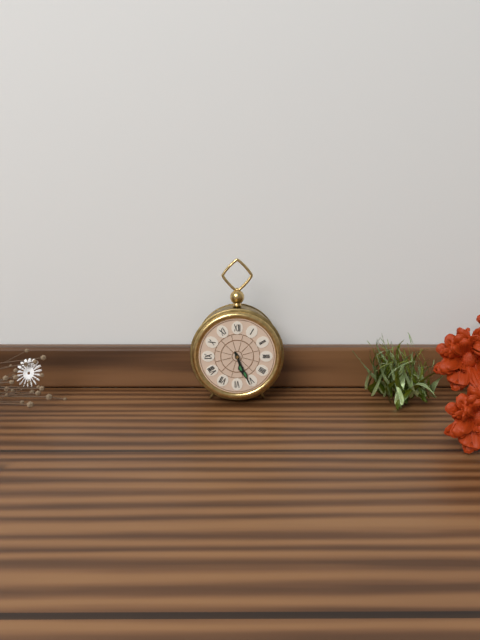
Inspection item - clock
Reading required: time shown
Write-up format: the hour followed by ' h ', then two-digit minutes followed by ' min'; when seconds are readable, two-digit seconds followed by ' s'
5 h 26 min
